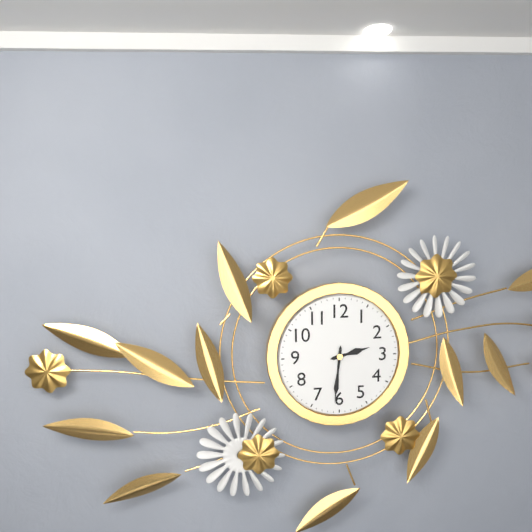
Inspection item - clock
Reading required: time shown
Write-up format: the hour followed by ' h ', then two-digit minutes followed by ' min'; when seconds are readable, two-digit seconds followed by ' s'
2 h 31 min
